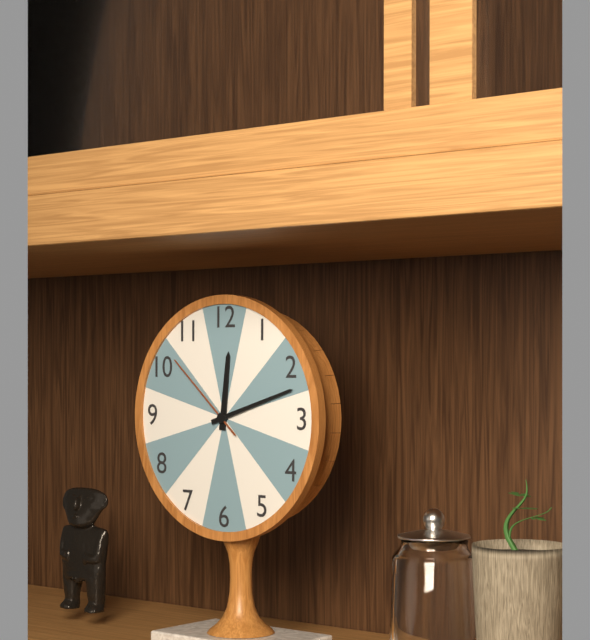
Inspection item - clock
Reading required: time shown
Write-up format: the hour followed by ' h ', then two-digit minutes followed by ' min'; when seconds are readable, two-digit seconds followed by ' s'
12 h 12 min 52 s
